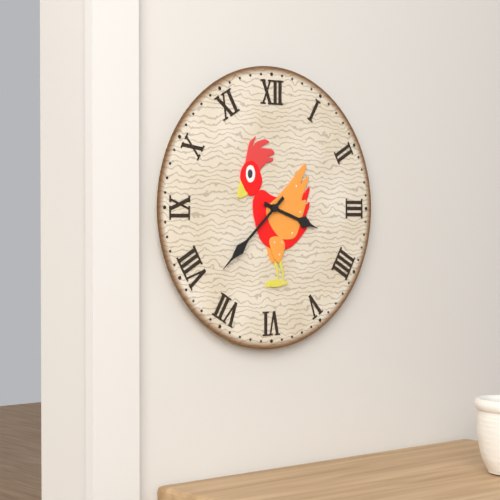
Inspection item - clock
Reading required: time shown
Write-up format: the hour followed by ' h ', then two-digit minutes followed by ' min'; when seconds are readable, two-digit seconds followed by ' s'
3 h 38 min
